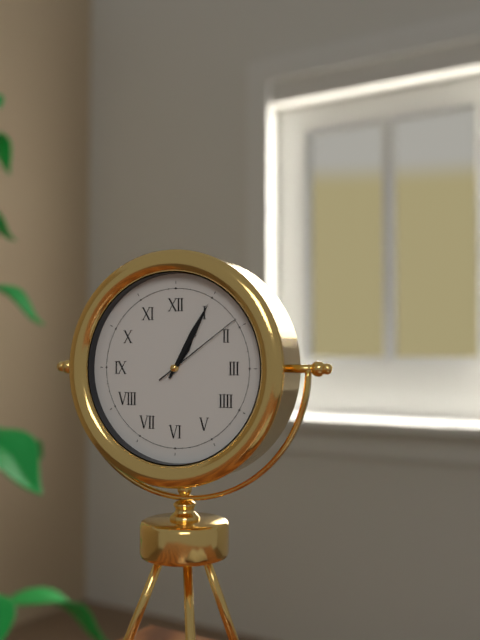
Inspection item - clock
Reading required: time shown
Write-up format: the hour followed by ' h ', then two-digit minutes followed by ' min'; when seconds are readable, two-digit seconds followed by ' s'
1 h 05 min 09 s
